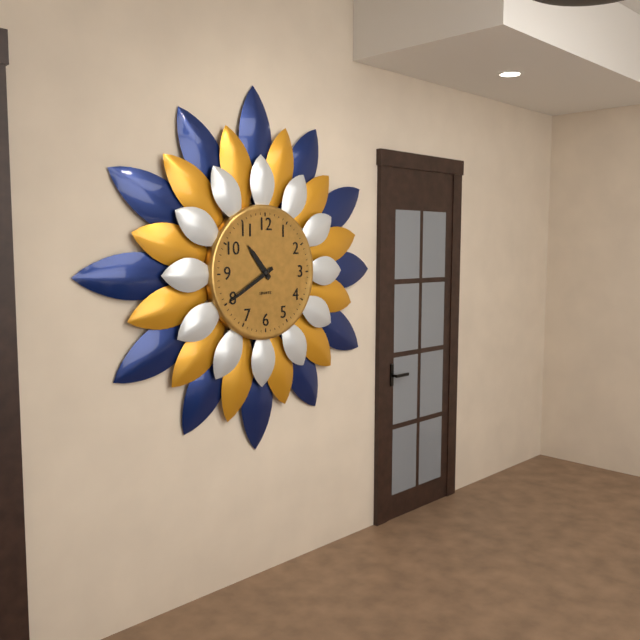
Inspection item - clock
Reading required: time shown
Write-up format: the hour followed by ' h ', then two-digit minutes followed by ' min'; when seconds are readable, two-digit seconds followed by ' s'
10 h 40 min
